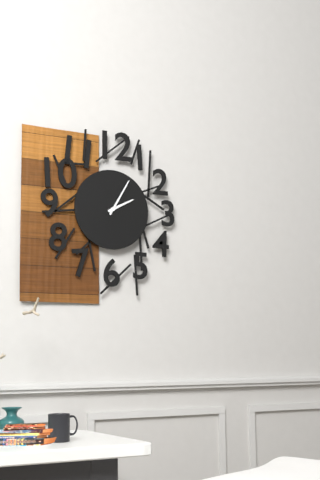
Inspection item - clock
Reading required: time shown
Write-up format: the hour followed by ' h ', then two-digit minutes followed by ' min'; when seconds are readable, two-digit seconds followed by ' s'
2 h 05 min
